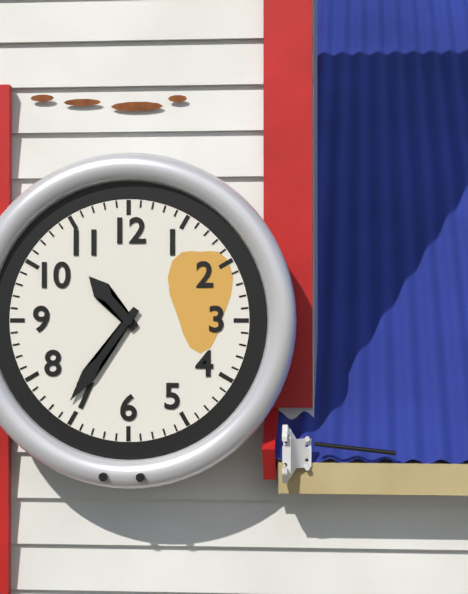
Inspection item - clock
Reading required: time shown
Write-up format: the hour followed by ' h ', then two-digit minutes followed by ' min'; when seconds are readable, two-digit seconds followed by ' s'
10 h 36 min
